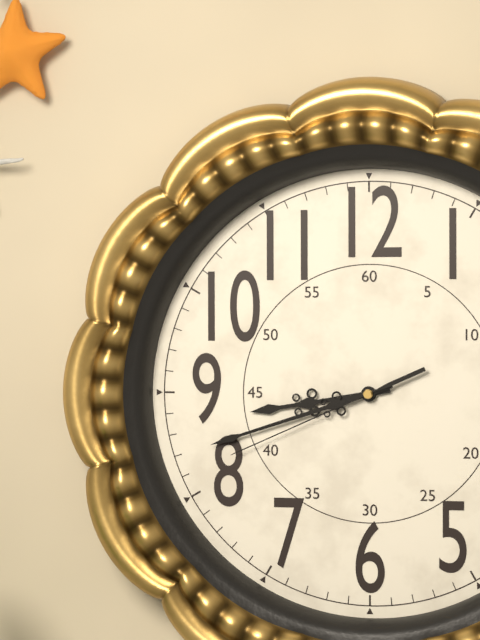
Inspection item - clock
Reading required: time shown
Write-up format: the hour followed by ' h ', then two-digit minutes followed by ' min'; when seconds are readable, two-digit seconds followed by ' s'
8 h 42 min 41 s
